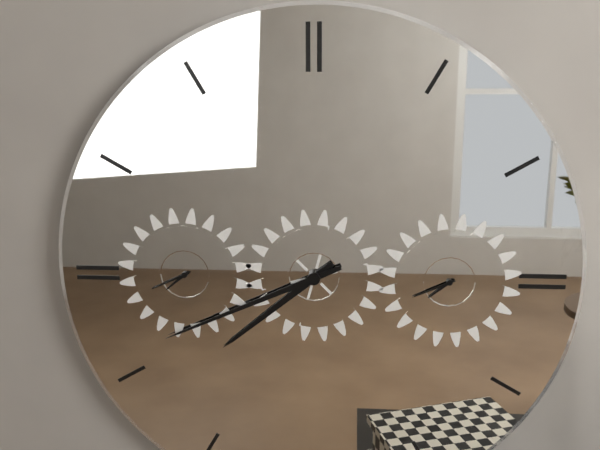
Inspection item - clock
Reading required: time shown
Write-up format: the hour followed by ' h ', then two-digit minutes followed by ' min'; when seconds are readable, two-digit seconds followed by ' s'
7 h 41 min
